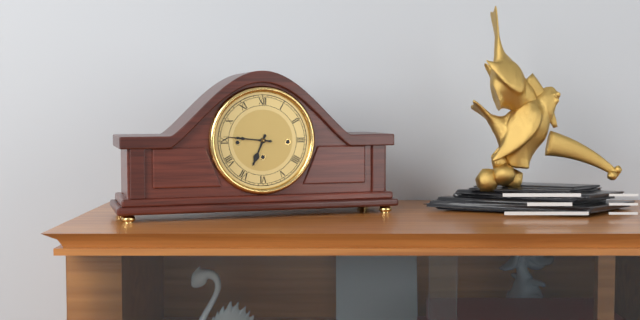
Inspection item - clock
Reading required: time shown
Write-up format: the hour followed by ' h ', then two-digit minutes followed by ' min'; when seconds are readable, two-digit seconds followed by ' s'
6 h 46 min
